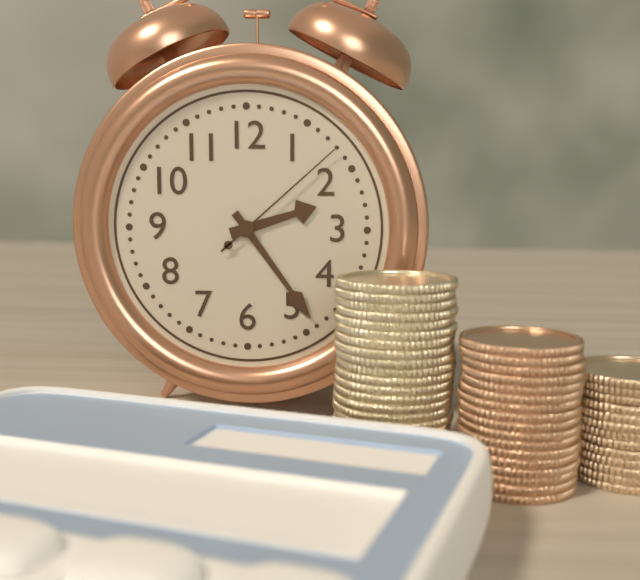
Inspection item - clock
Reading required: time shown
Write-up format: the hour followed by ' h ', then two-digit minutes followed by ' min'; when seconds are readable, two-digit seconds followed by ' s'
2 h 24 min 08 s
